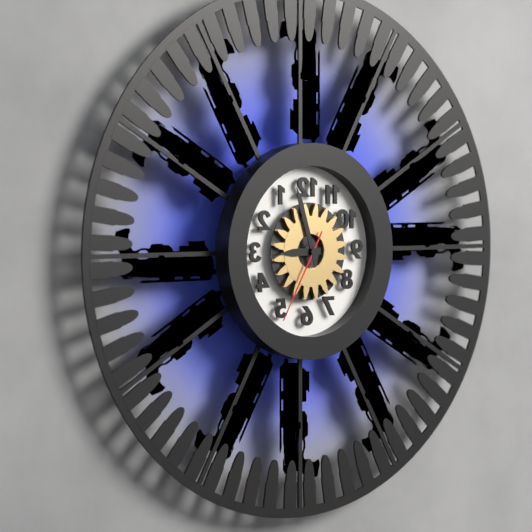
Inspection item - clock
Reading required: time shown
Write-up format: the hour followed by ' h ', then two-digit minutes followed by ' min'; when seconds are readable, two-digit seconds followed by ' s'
8 h 57 min 35 s
